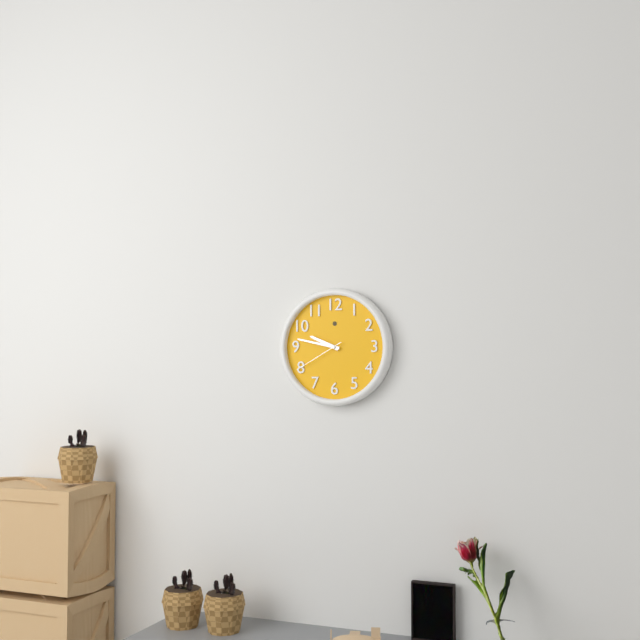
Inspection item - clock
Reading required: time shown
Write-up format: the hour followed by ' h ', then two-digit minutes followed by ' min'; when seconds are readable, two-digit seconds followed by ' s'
9 h 47 min 40 s
